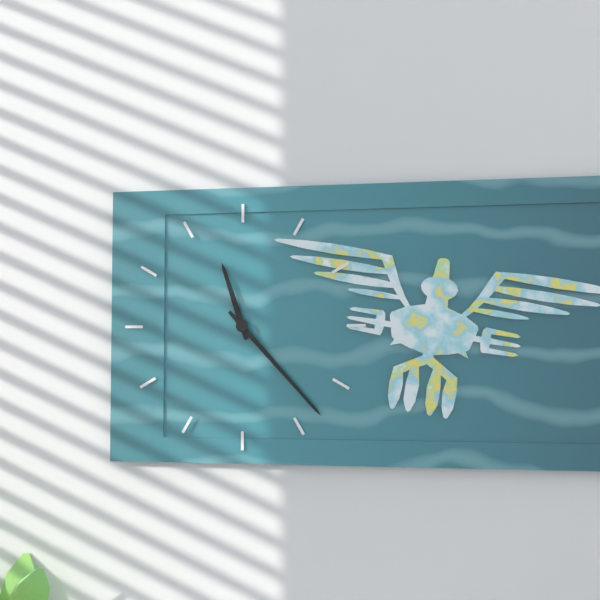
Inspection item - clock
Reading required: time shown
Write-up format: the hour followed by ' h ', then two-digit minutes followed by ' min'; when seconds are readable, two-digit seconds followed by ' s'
11 h 23 min
